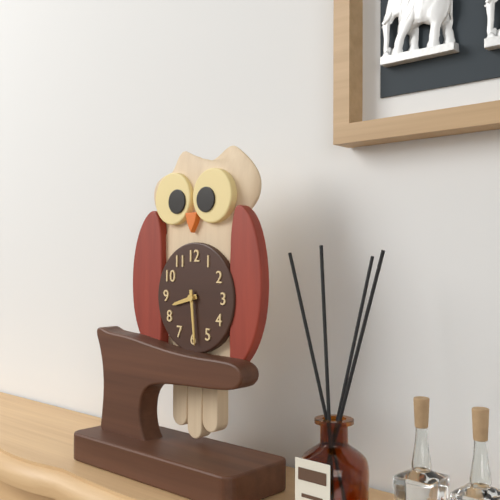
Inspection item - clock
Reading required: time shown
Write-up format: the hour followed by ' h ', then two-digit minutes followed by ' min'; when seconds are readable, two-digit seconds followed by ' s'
8 h 29 min
